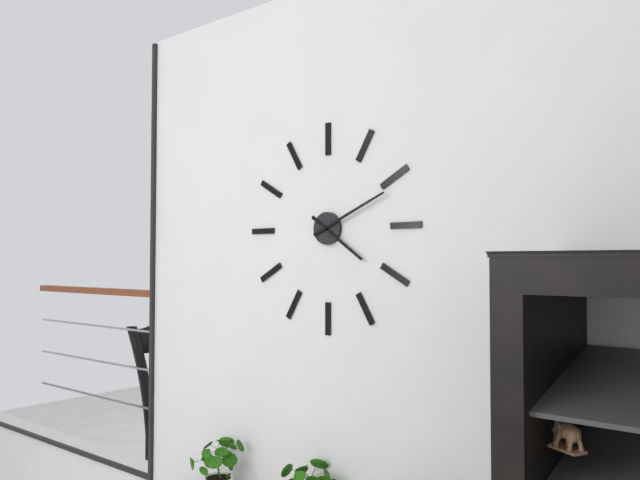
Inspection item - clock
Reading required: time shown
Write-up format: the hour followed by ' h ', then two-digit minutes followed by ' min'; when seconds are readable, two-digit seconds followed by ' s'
4 h 11 min
